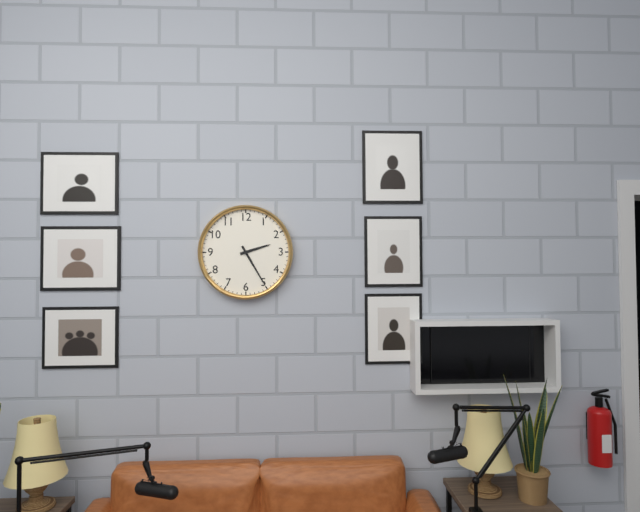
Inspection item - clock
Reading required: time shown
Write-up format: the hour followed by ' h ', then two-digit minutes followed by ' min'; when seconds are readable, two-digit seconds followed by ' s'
2 h 25 min
